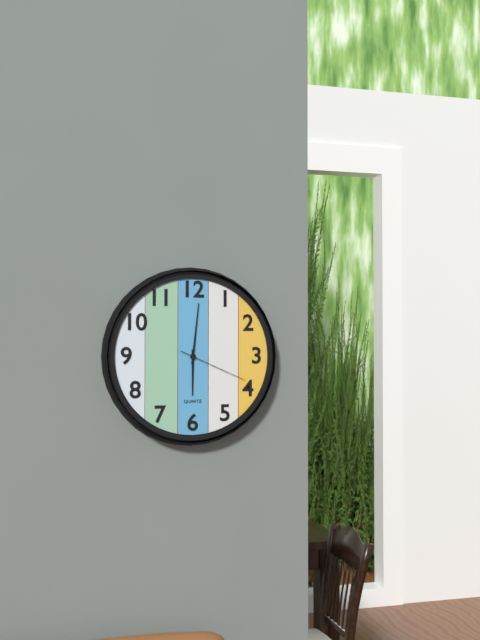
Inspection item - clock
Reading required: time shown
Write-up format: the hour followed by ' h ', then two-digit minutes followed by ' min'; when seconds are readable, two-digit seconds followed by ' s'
6 h 01 min 19 s
